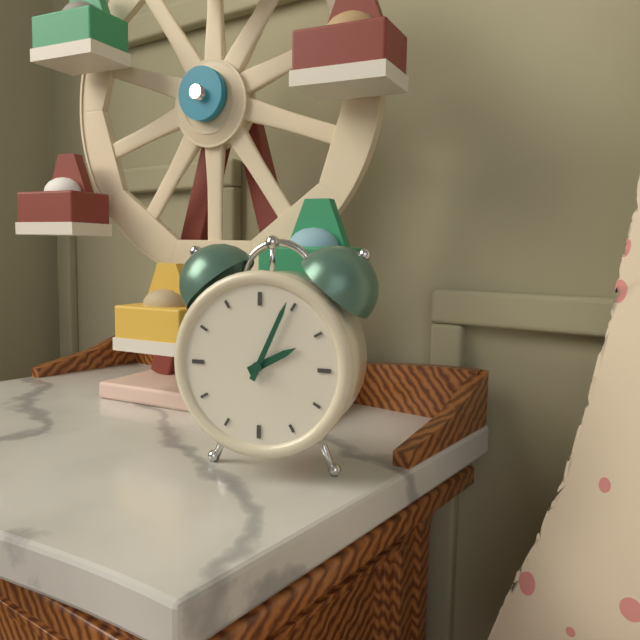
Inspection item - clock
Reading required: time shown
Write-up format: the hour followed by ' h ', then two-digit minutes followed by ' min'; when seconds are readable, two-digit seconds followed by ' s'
2 h 04 min
